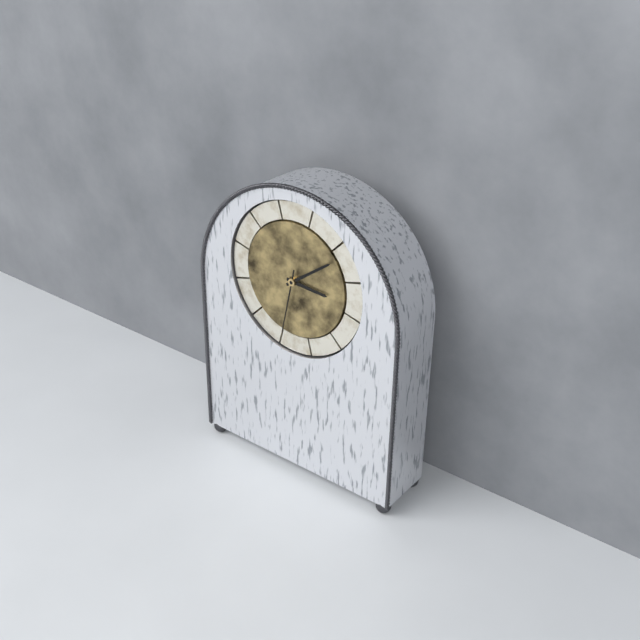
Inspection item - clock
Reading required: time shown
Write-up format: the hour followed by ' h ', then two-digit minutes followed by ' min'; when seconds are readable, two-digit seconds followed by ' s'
3 h 09 min 32 s
